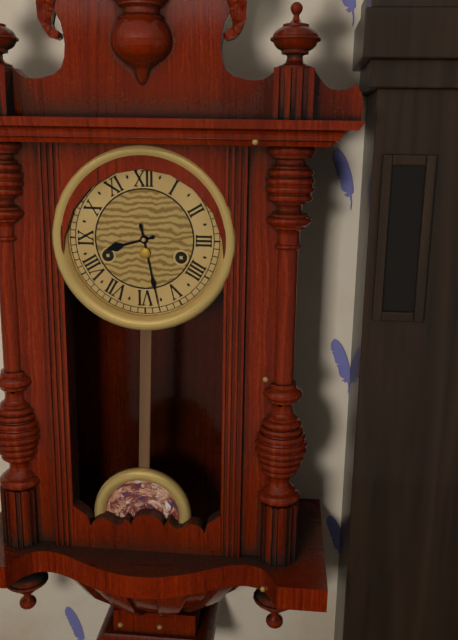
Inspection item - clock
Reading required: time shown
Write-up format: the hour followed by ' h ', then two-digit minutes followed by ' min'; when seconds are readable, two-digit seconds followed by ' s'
8 h 28 min
